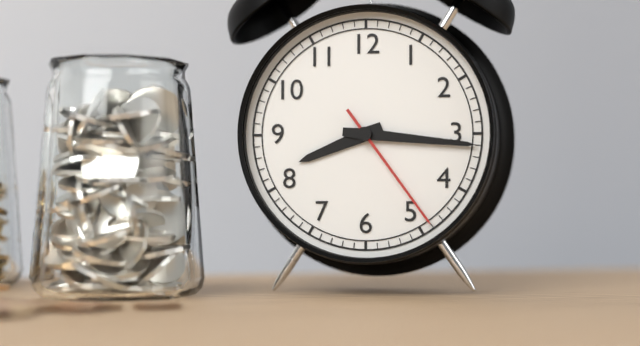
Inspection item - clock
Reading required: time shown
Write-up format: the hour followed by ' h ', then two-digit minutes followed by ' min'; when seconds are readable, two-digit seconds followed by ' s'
8 h 16 min 24 s
